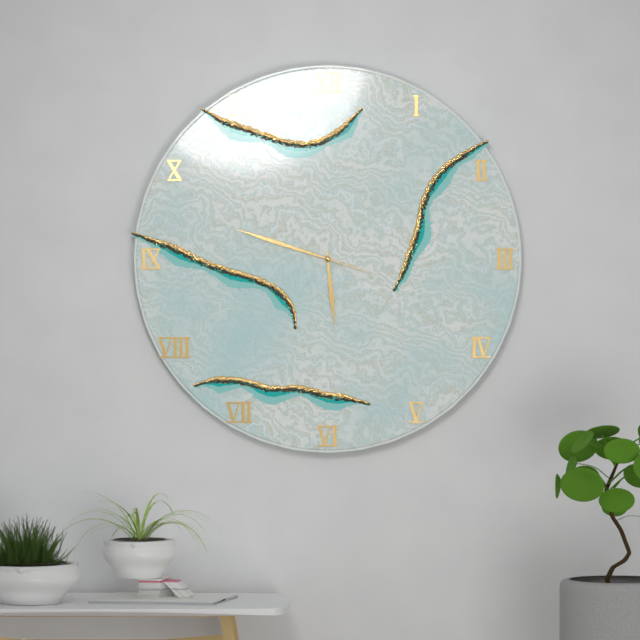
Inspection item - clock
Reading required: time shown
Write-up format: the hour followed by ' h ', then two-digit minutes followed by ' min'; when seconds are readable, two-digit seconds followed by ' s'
5 h 48 min 18 s
